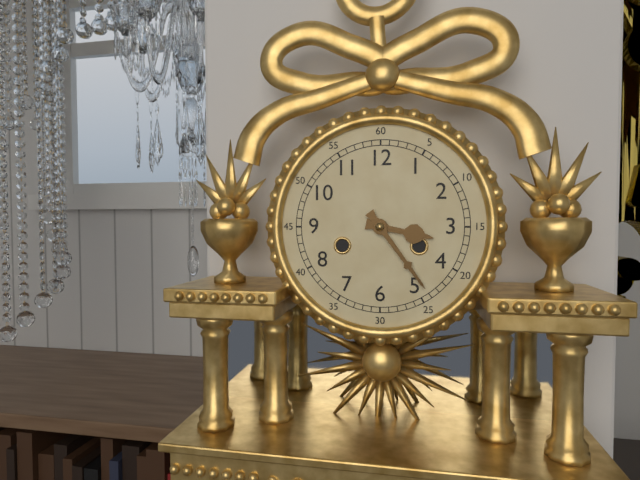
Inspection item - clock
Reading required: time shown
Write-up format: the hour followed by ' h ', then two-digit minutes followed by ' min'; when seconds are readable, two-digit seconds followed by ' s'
3 h 24 min
